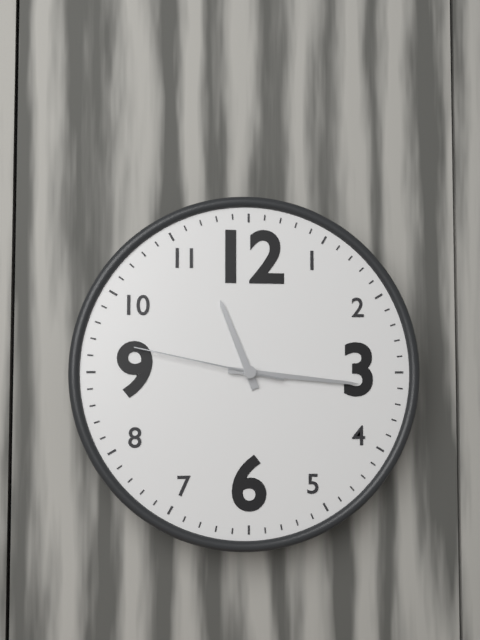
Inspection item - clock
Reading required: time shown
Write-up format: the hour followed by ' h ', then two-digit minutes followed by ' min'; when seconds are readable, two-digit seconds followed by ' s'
11 h 16 min 47 s
